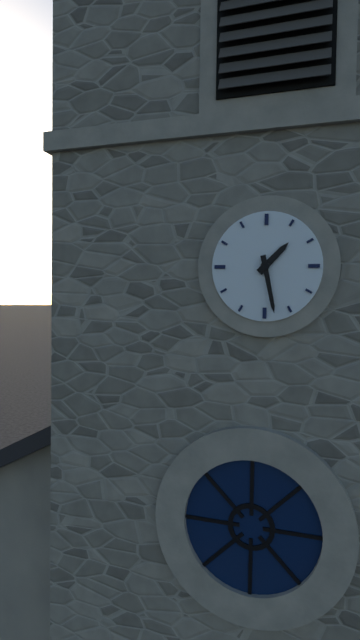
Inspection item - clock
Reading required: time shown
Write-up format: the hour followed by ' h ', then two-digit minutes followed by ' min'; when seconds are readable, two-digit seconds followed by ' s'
1 h 28 min
